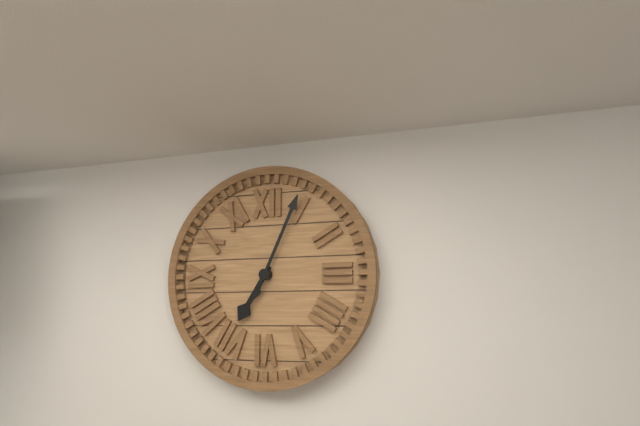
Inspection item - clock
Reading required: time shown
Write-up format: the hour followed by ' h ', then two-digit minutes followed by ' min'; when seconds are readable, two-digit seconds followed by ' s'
7 h 04 min
